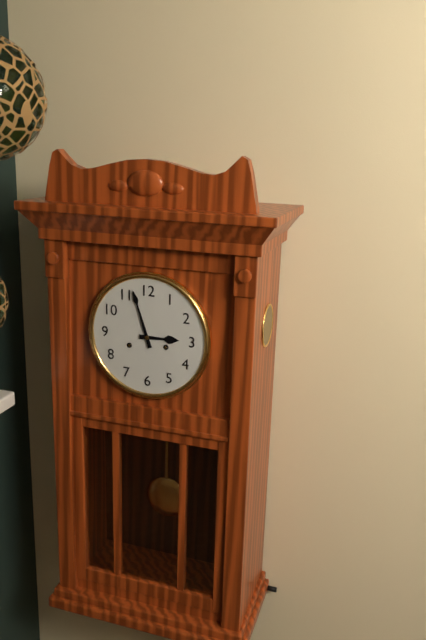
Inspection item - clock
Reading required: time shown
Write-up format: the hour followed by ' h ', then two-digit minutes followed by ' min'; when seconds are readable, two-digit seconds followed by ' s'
2 h 57 min
